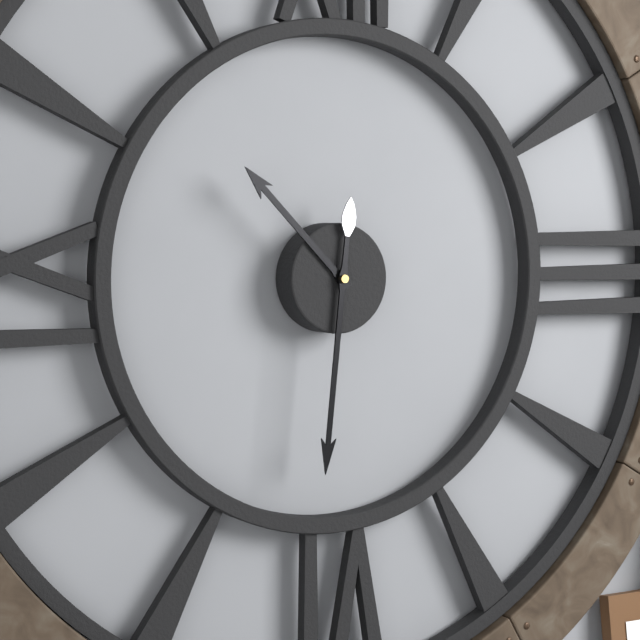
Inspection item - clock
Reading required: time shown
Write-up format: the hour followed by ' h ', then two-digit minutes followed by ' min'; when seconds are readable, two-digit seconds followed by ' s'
10 h 31 min
